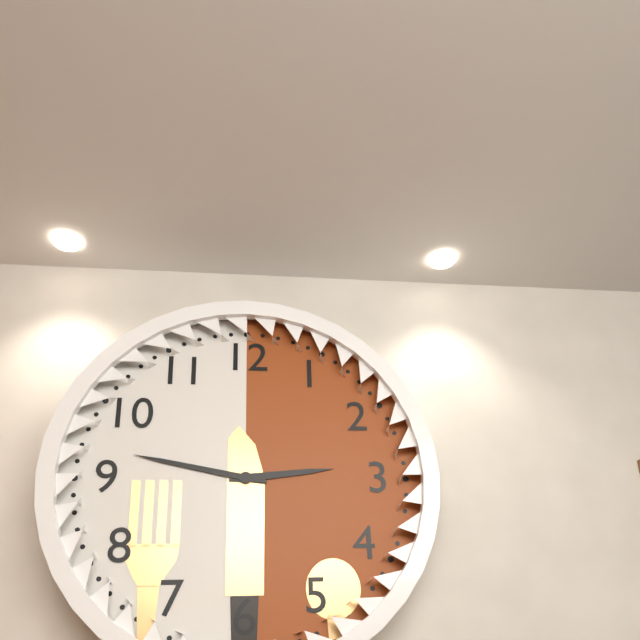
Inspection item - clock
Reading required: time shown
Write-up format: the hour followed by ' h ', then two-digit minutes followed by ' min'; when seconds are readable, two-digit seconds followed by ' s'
2 h 47 min
